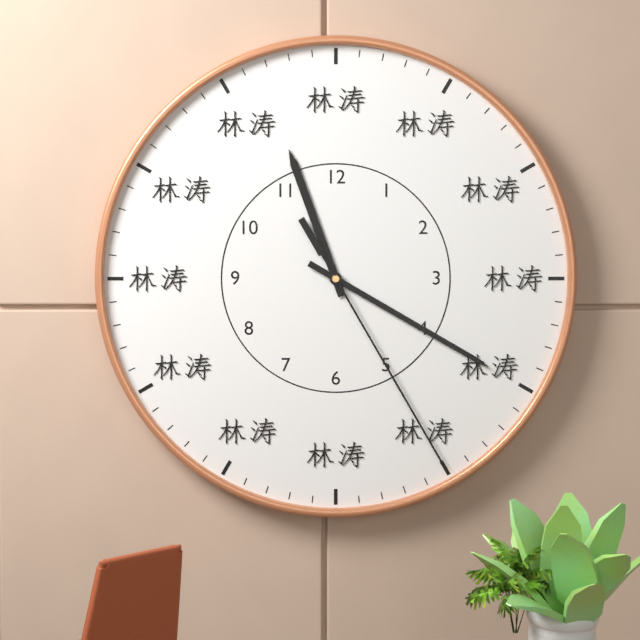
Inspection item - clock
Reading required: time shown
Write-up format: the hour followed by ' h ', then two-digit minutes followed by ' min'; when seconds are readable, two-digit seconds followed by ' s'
11 h 20 min 25 s
